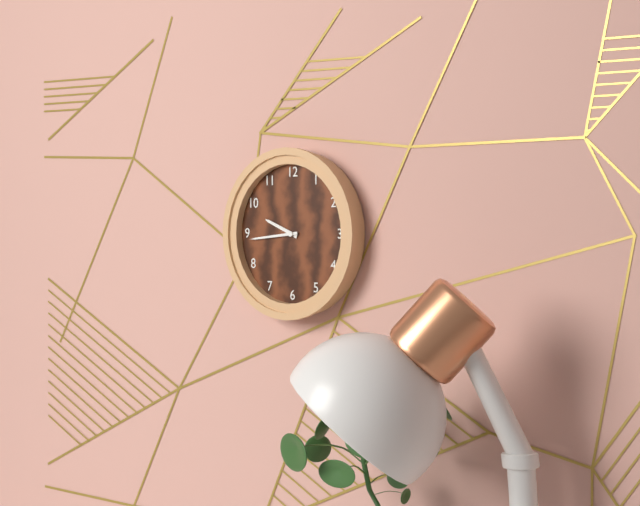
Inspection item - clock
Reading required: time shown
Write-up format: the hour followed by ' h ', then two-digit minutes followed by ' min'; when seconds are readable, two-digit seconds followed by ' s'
9 h 44 min
